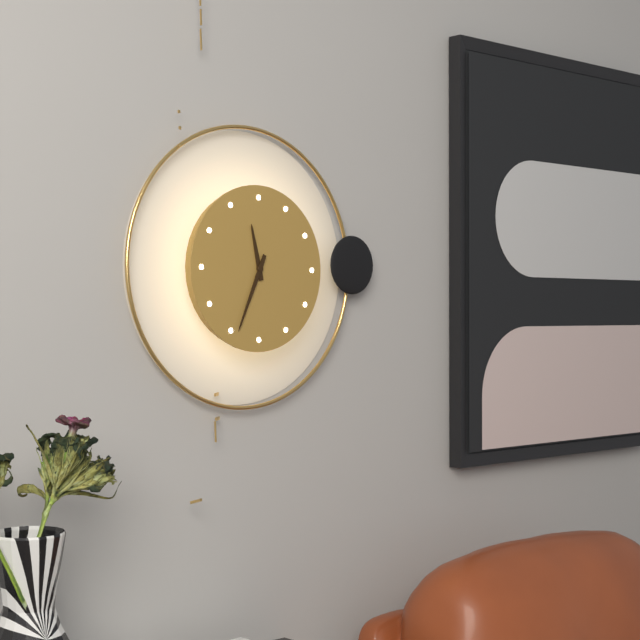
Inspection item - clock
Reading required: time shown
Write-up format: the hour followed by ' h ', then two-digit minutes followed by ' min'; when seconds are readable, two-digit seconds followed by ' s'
11 h 34 min
